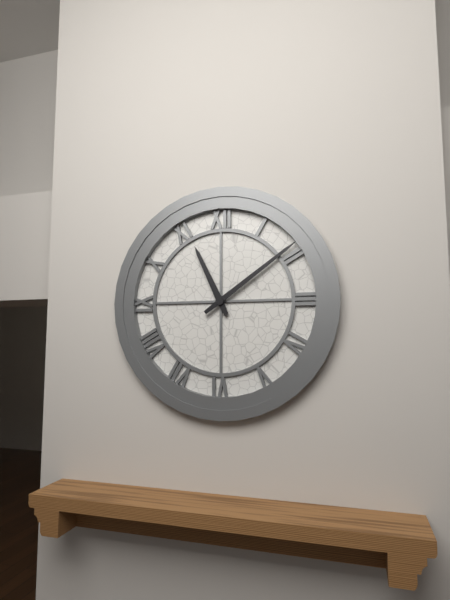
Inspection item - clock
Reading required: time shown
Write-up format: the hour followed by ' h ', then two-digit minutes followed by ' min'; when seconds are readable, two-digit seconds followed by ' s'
11 h 09 min
